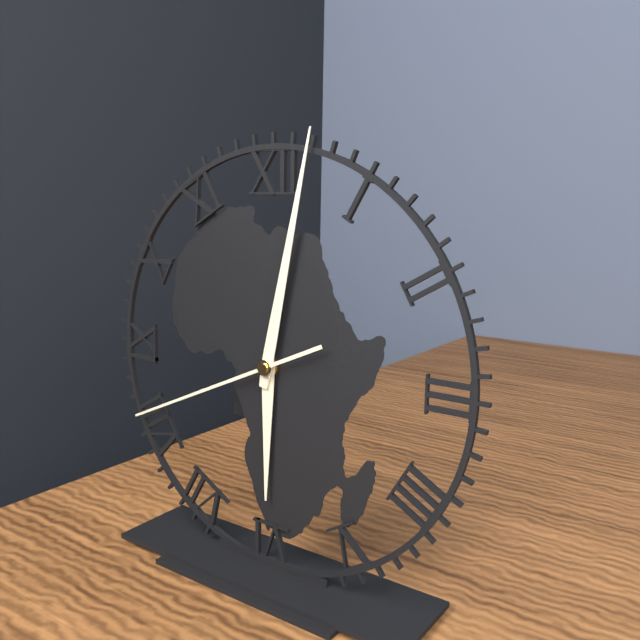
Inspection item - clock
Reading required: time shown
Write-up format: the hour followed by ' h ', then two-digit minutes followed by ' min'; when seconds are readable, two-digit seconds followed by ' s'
6 h 02 min 41 s
